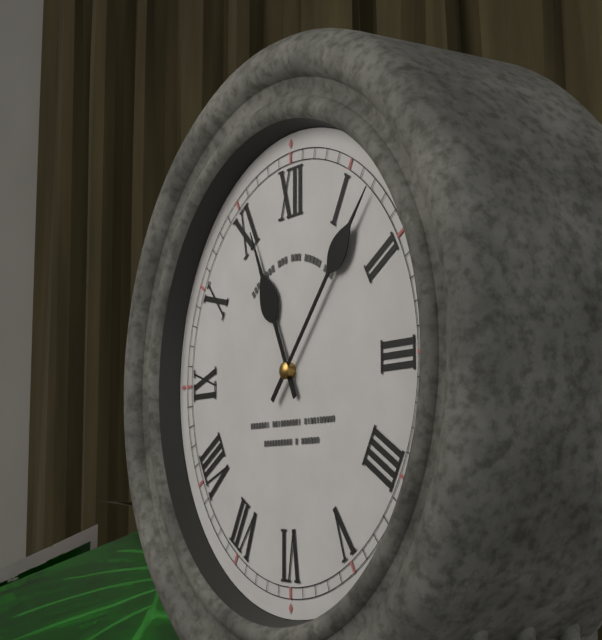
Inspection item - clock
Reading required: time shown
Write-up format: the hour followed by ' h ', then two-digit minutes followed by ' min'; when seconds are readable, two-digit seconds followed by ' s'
11 h 07 min
